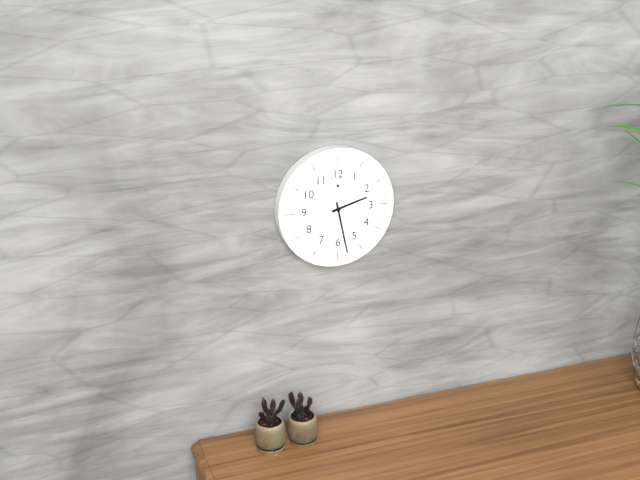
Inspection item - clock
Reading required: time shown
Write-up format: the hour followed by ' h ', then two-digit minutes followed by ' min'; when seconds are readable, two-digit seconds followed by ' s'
2 h 28 min
